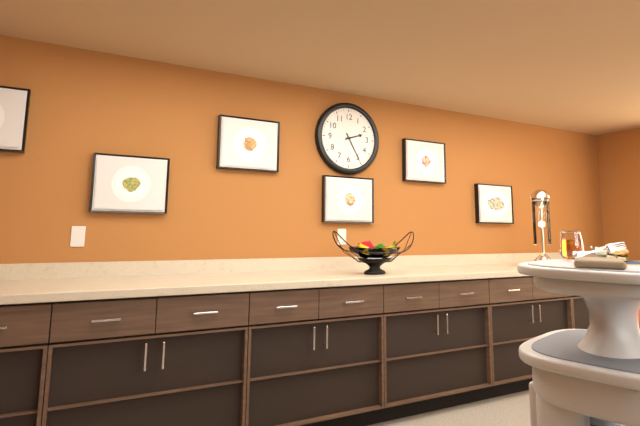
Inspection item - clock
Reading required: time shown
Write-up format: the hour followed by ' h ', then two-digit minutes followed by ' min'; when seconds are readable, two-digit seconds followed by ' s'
2 h 25 min
